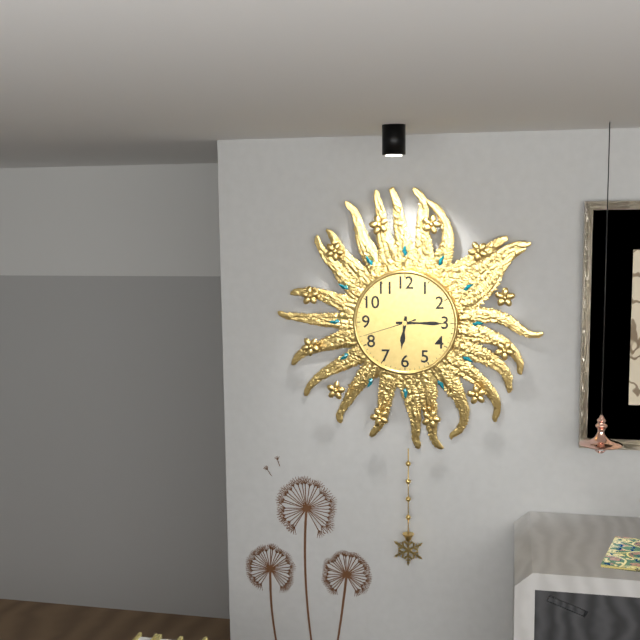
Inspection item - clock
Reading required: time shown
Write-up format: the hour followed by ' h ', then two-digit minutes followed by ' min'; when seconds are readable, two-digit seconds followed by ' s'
6 h 15 min 42 s
